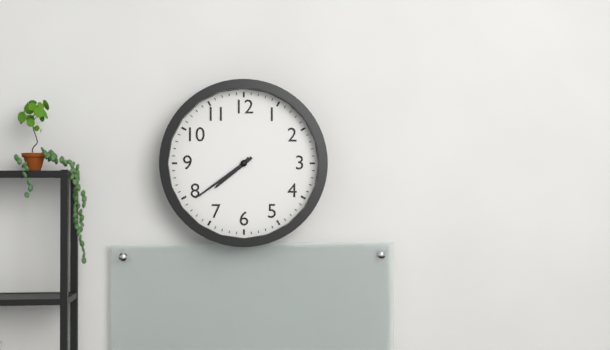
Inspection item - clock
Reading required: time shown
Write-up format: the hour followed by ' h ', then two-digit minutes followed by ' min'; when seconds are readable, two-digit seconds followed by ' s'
7 h 39 min
